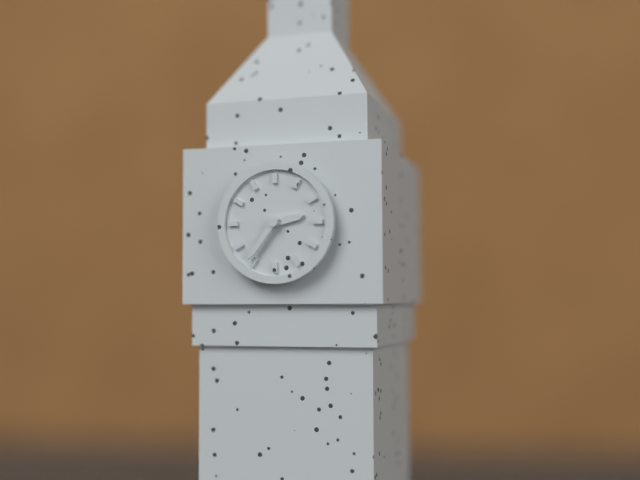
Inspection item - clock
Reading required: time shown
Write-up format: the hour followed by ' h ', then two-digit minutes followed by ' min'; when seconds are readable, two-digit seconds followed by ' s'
2 h 36 min
